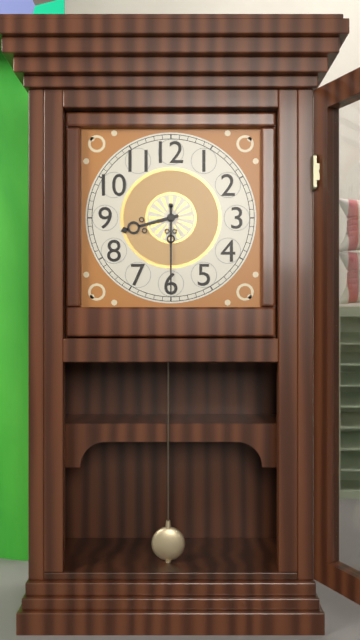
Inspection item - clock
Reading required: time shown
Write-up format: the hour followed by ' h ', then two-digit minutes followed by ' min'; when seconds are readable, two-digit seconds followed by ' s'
8 h 30 min
